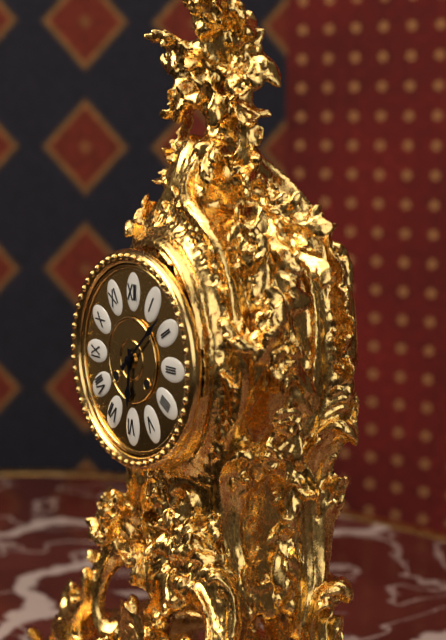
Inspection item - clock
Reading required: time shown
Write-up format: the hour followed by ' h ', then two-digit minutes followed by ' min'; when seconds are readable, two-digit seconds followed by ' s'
6 h 08 min
